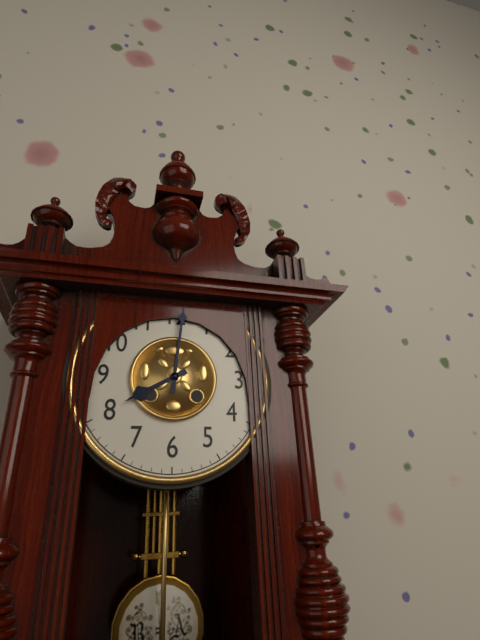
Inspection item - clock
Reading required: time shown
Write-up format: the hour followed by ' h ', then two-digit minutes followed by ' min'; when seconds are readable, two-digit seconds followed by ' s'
8 h 01 min
